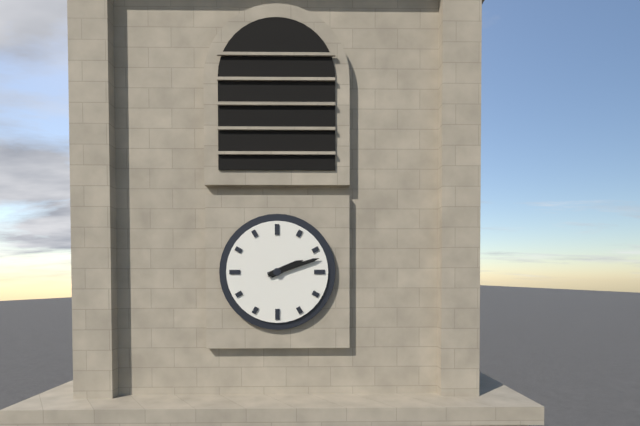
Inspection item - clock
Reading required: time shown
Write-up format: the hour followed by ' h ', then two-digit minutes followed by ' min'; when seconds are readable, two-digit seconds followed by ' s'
2 h 12 min
